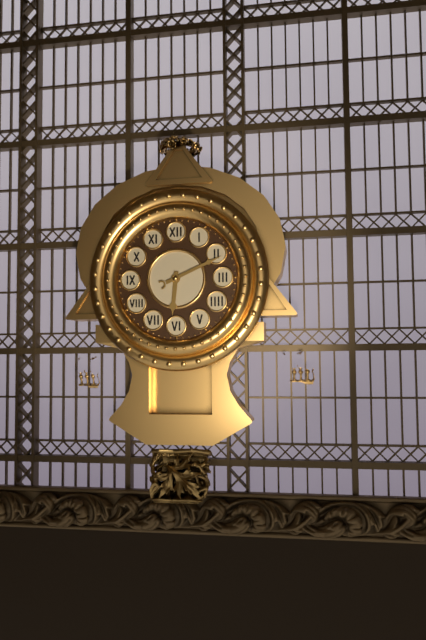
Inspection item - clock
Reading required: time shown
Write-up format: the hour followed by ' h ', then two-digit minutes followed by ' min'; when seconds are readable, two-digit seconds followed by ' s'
6 h 11 min
